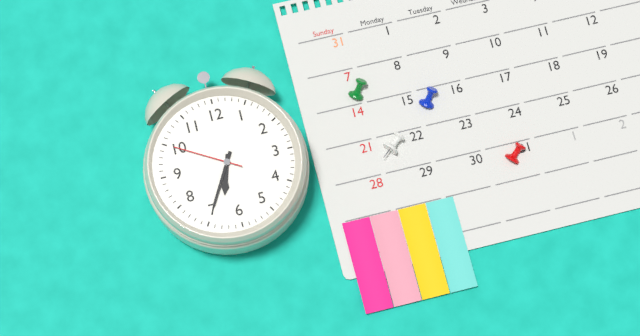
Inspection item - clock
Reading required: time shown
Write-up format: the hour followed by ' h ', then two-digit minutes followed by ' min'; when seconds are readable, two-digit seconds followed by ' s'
6 h 35 min 50 s
